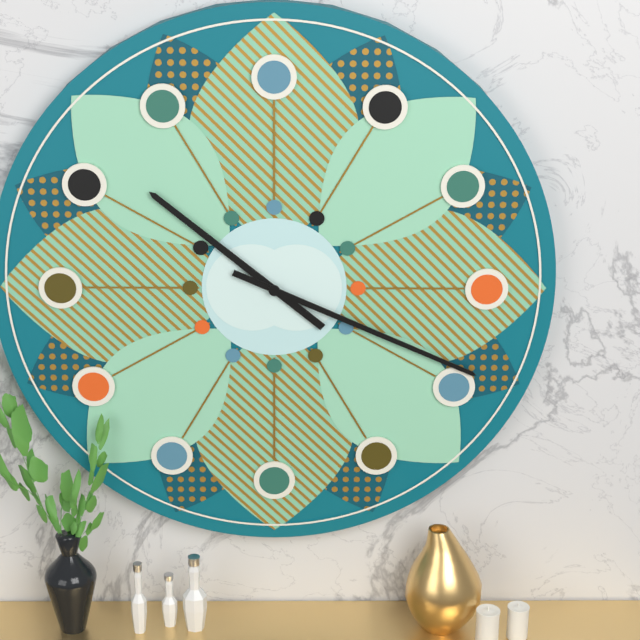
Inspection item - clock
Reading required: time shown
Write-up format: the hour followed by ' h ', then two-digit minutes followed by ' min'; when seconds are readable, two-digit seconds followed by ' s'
10 h 19 min
